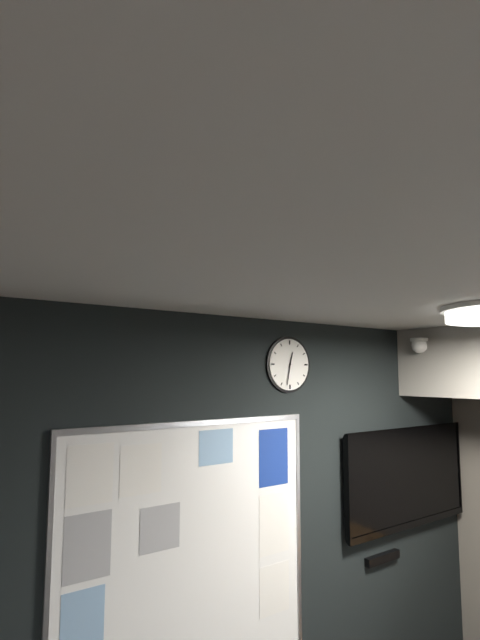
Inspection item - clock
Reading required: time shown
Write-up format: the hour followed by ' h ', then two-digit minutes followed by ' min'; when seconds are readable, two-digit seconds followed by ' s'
12 h 32 min
